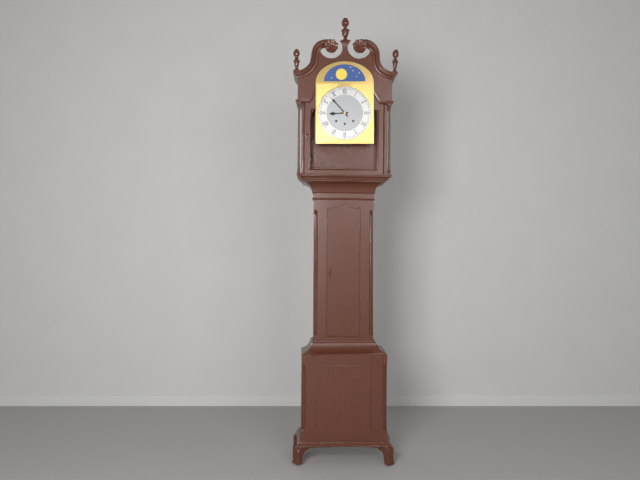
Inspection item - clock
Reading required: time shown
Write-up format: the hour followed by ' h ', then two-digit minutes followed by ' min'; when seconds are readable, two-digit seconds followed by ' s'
8 h 53 min
